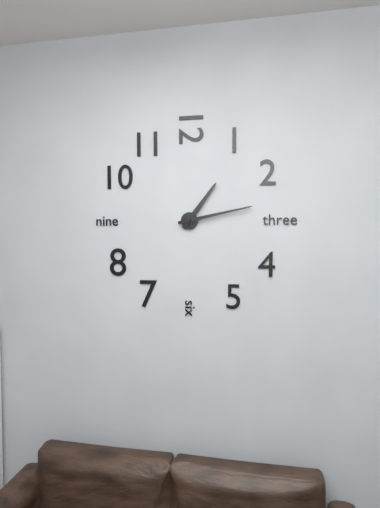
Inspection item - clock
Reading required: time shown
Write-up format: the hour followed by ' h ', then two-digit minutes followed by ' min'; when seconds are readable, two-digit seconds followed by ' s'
1 h 13 min
